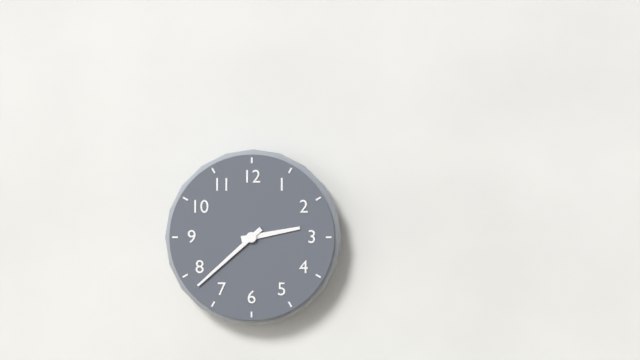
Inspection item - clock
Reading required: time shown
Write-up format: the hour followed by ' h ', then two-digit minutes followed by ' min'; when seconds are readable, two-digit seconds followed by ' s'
2 h 38 min
